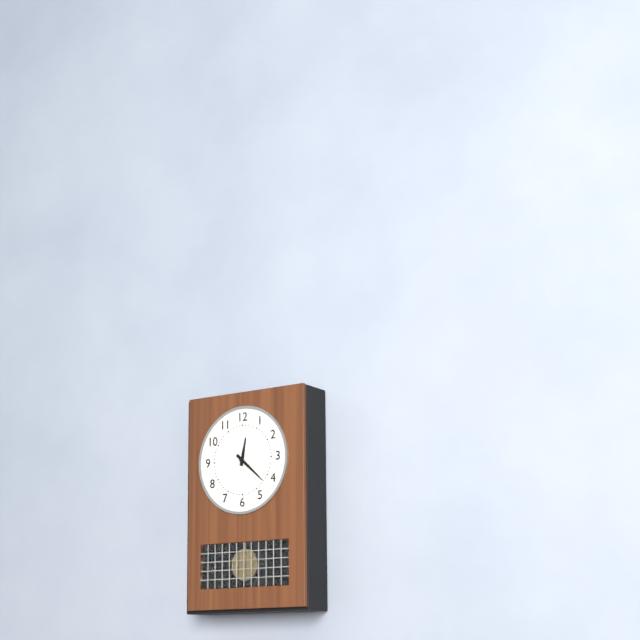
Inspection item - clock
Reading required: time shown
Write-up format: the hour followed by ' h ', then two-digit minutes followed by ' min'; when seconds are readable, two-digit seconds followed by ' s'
12 h 22 min
